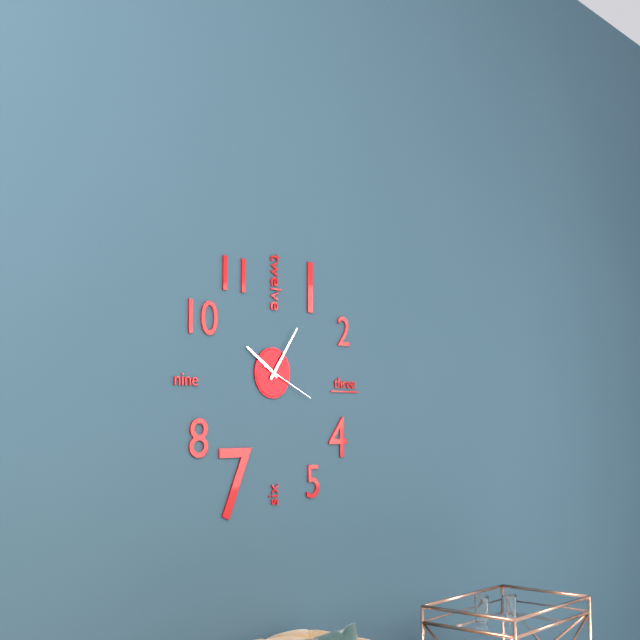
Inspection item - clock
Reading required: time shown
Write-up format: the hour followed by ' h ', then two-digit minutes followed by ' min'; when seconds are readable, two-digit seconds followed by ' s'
10 h 06 min 19 s
